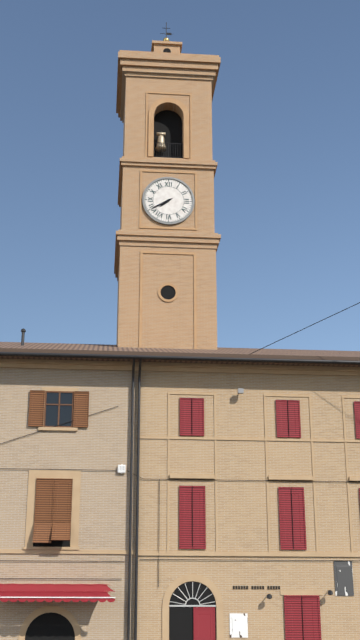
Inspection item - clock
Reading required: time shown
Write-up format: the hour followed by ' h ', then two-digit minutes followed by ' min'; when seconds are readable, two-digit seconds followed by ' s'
7 h 40 min
